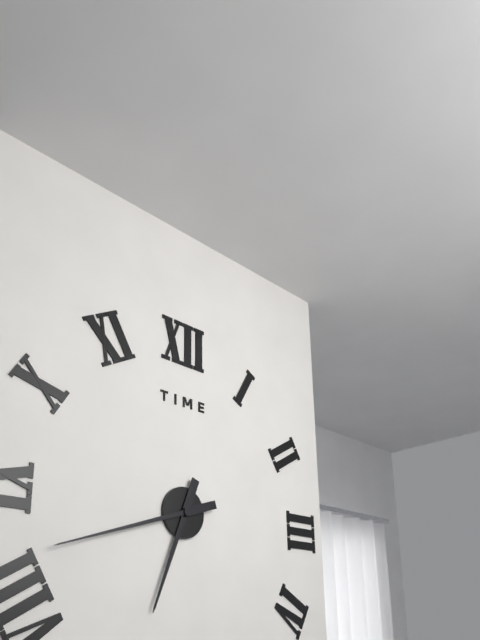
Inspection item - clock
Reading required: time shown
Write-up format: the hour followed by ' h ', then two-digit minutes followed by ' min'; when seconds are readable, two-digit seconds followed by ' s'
6 h 42 min
